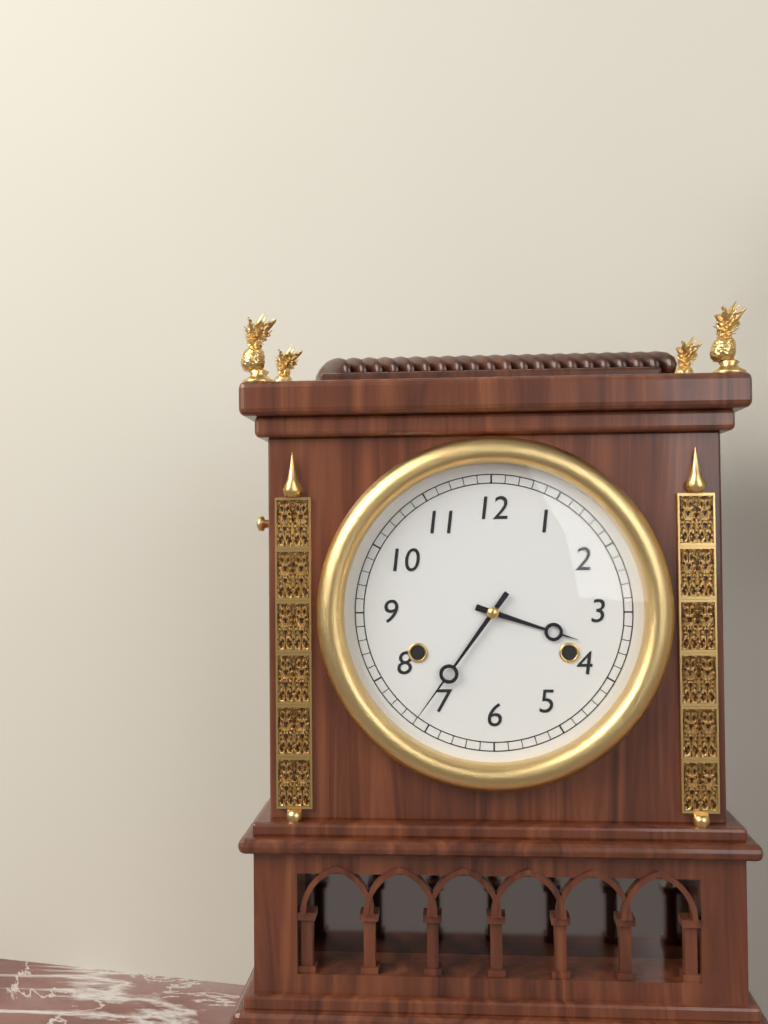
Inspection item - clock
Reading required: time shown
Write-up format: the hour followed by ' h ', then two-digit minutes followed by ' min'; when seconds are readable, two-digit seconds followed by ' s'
3 h 36 min
